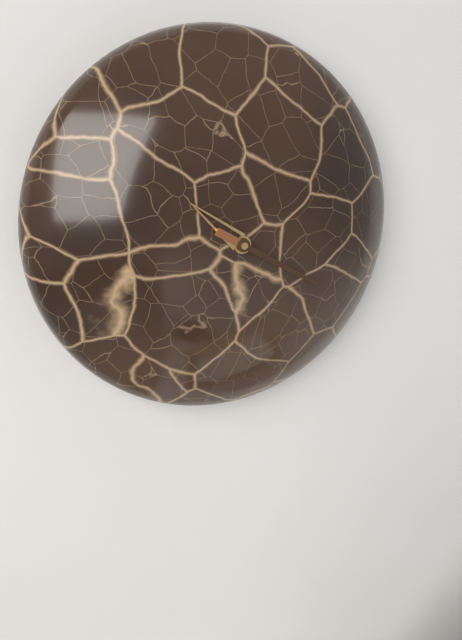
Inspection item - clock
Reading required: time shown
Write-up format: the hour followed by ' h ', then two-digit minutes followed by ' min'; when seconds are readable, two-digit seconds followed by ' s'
10 h 20 min
